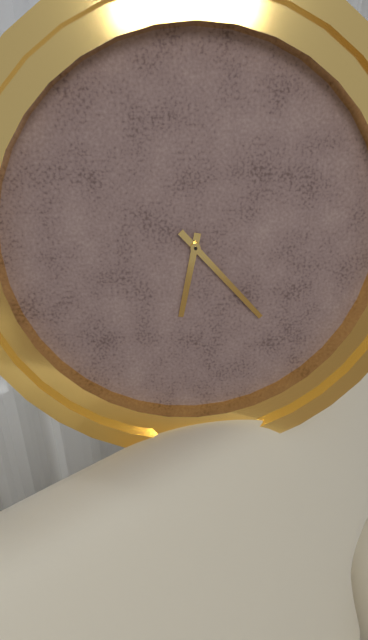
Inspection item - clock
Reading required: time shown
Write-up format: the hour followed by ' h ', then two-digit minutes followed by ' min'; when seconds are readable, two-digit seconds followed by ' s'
6 h 23 min
